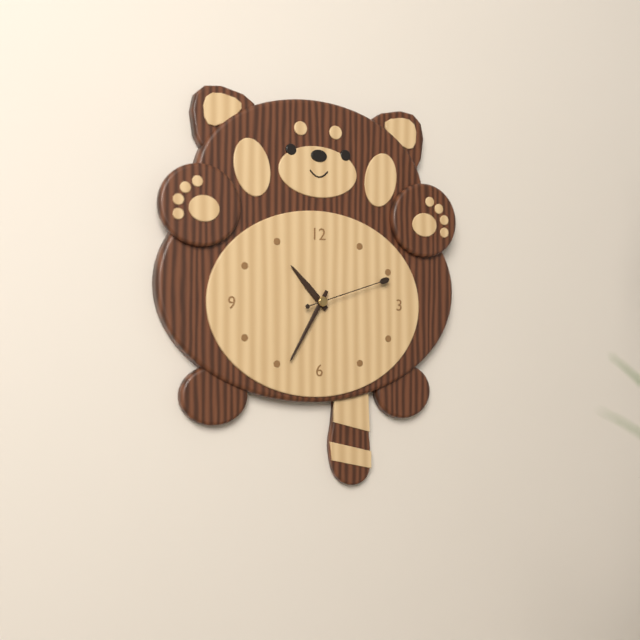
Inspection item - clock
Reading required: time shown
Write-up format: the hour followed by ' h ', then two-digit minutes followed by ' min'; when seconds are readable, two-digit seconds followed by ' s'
10 h 35 min 12 s
